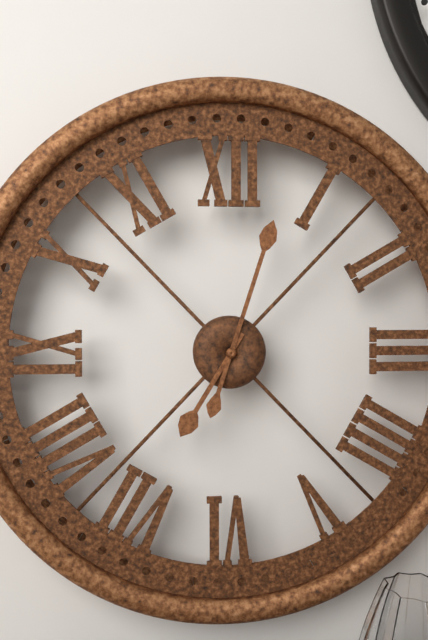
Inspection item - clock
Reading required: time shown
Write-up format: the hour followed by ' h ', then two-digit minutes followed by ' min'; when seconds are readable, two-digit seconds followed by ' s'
7 h 03 min
